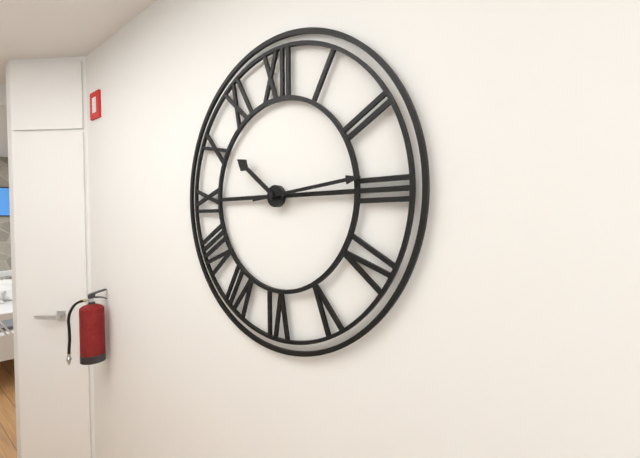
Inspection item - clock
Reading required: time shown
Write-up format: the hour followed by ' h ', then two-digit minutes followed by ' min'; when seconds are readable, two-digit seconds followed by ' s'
10 h 14 min
